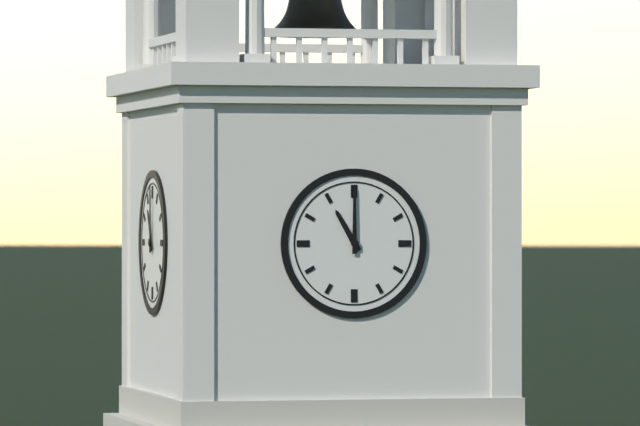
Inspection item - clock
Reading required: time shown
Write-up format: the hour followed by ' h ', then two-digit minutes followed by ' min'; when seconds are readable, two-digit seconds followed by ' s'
11 h 00 min
